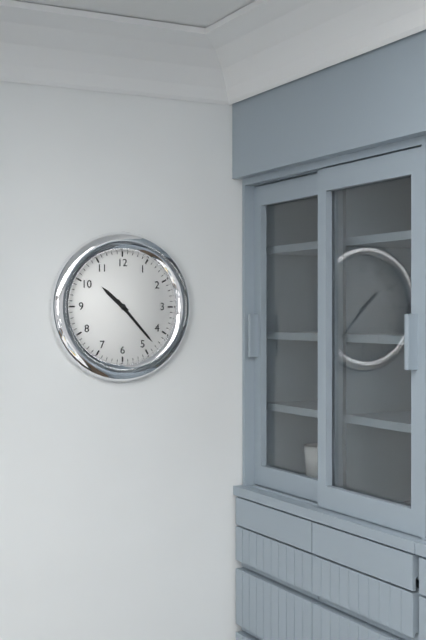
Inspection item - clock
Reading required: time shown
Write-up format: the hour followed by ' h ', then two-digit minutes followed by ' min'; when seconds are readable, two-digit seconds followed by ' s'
10 h 23 min
